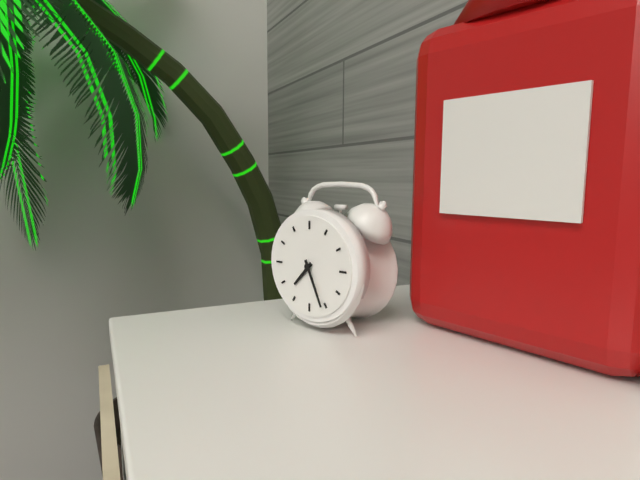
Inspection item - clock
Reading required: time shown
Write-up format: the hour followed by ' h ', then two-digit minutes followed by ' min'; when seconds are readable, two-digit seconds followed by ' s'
7 h 26 min
